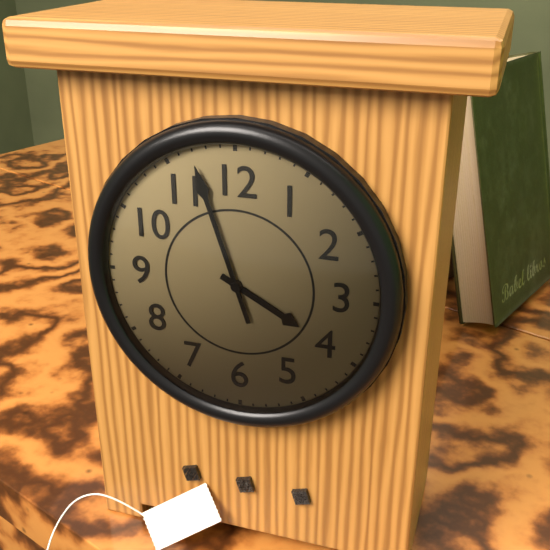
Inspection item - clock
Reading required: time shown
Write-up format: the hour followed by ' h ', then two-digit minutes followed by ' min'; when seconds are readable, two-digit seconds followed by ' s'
3 h 57 min
